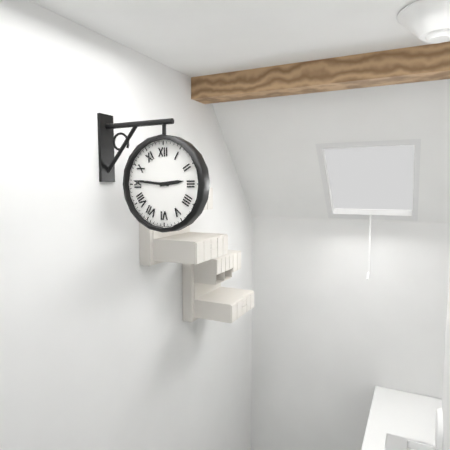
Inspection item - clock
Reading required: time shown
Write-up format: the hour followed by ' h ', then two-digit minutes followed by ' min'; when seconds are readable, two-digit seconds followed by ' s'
2 h 46 min
